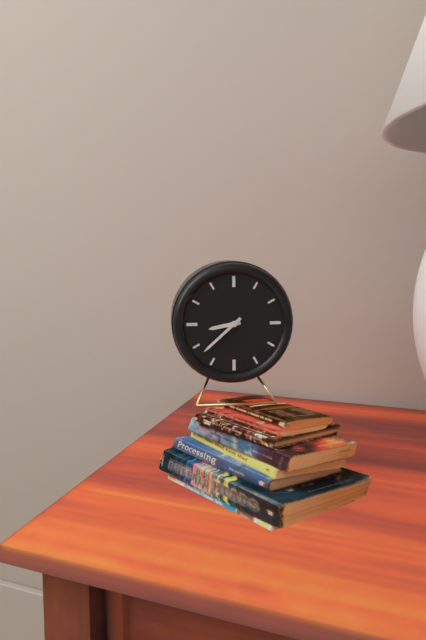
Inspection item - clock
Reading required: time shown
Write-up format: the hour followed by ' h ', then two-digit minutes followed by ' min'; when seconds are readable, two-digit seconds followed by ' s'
8 h 38 min
